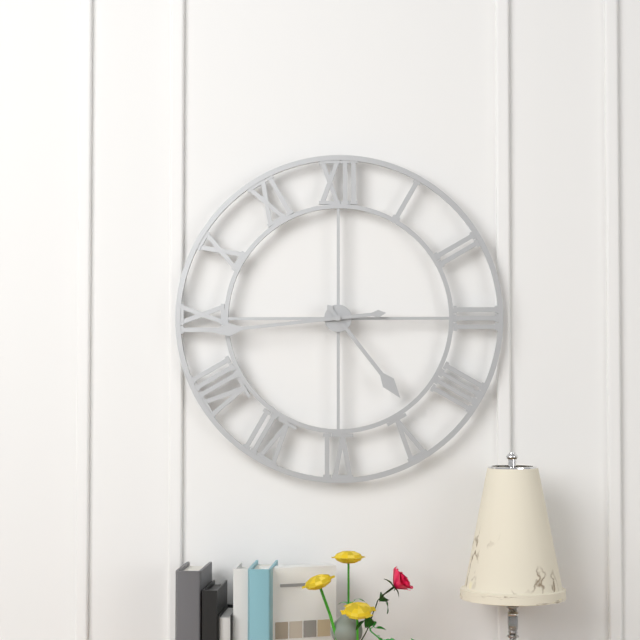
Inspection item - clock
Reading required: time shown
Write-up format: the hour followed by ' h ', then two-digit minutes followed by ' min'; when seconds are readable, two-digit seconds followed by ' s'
4 h 44 min
